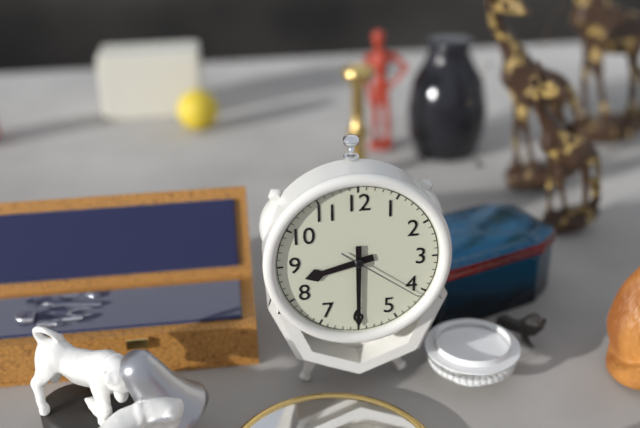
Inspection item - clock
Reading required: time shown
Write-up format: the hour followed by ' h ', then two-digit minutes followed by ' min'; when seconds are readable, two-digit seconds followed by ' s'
8 h 30 min 21 s
